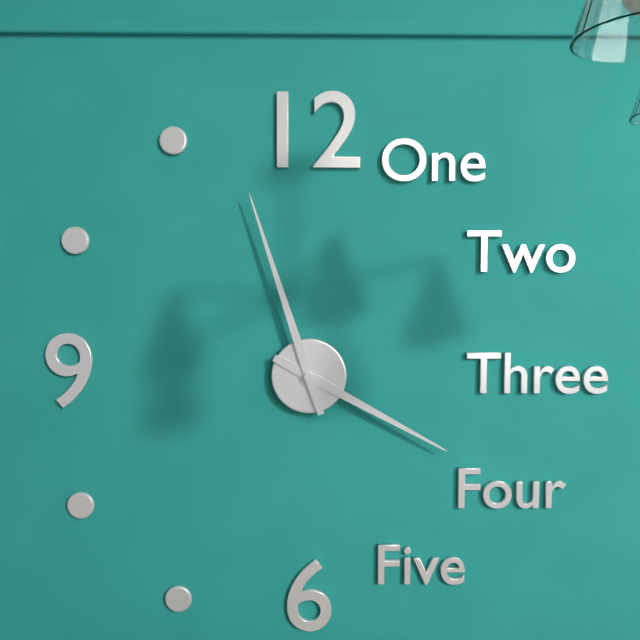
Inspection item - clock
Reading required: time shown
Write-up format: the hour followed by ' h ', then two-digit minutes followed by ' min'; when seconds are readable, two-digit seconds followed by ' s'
3 h 57 min
